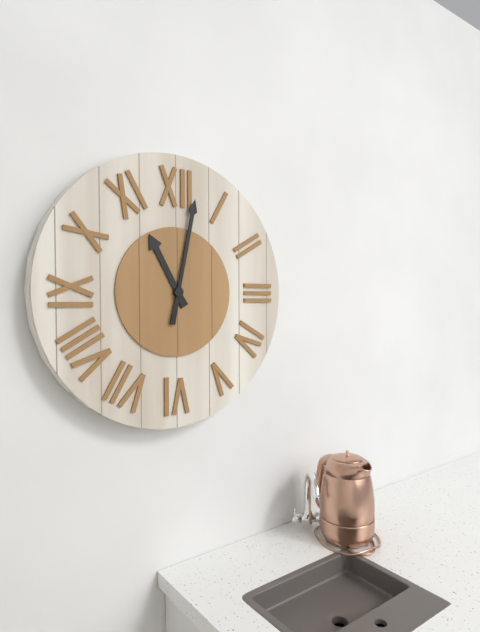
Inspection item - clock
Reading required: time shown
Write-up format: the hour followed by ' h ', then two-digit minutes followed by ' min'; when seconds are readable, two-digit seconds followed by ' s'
11 h 02 min
